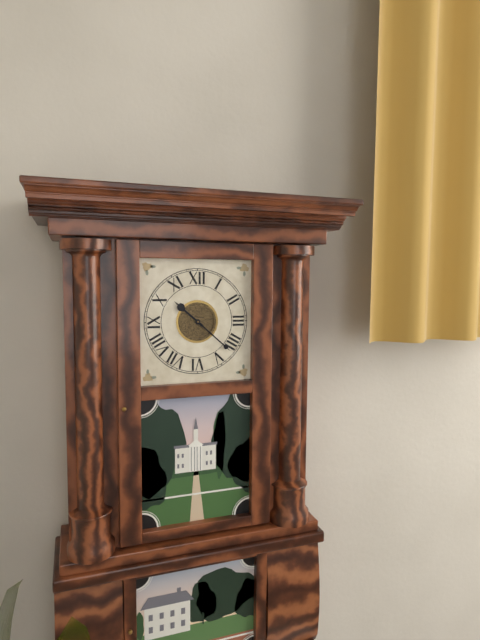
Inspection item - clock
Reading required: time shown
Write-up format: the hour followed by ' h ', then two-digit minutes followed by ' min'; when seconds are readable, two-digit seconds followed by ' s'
10 h 22 min
